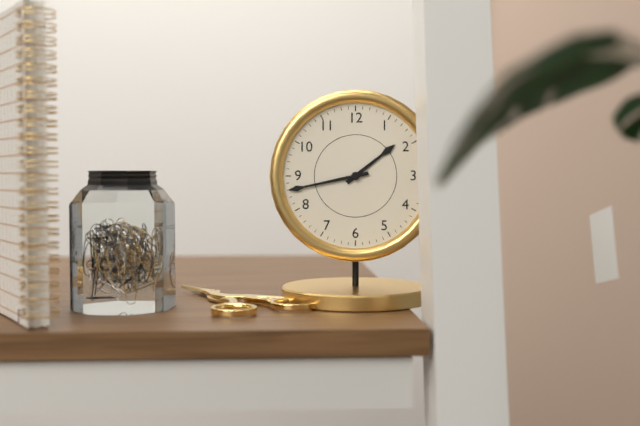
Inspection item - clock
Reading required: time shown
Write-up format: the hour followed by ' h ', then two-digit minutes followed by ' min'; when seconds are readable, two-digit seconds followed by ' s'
1 h 43 min
